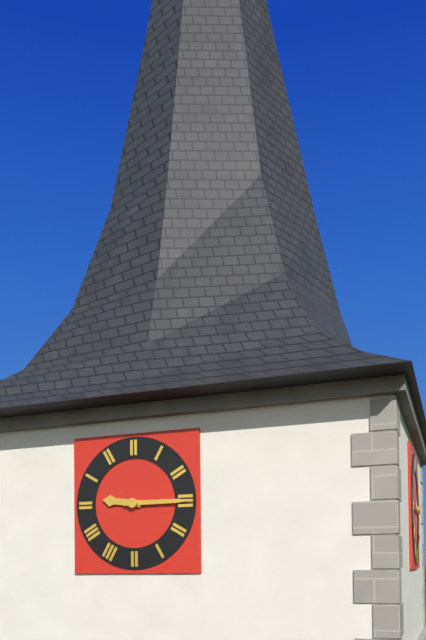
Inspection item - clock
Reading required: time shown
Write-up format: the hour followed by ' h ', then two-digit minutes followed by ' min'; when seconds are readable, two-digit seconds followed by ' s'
9 h 15 min
